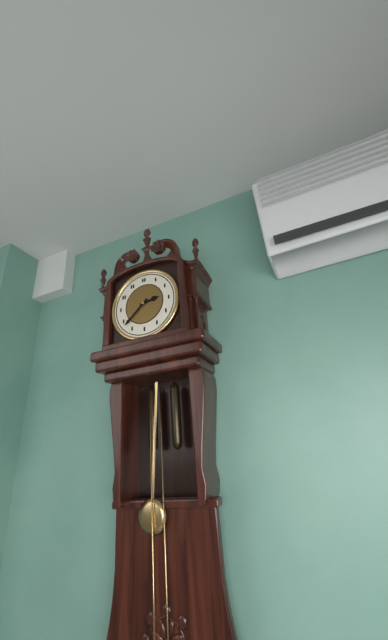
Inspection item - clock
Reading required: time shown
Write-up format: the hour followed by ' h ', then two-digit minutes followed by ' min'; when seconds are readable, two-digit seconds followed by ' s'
2 h 38 min
